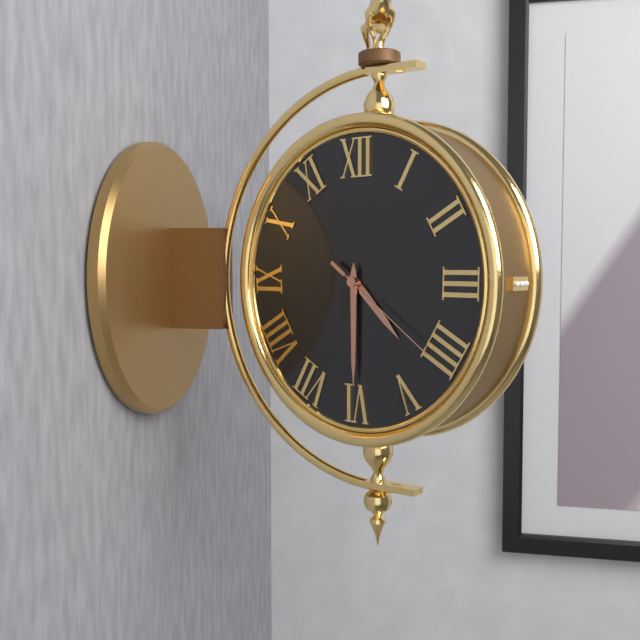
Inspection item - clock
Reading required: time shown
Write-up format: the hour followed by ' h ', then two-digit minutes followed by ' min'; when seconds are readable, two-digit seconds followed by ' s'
4 h 30 min 21 s
